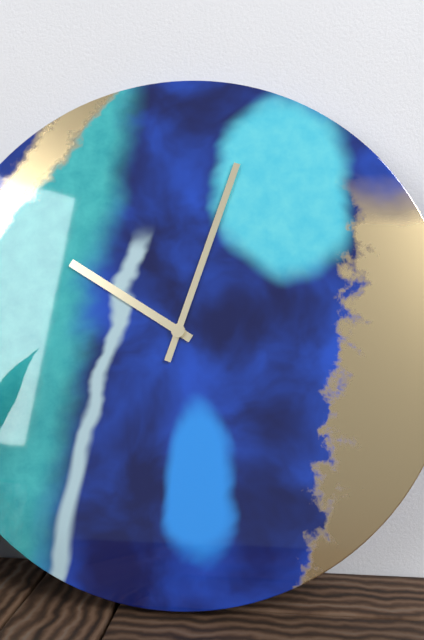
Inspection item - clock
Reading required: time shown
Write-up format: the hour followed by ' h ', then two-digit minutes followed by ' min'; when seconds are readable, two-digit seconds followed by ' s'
10 h 03 min
